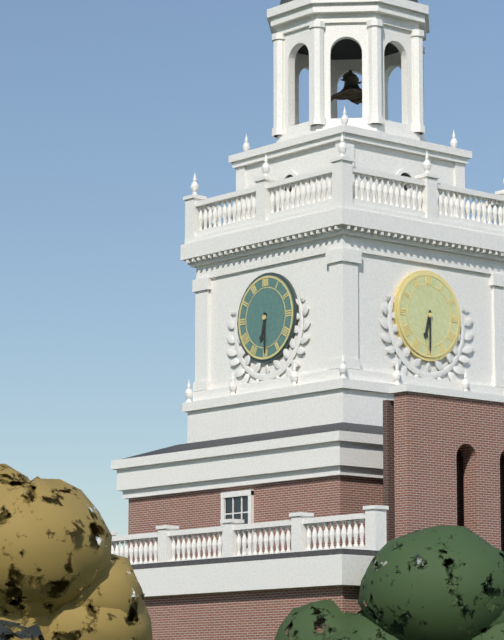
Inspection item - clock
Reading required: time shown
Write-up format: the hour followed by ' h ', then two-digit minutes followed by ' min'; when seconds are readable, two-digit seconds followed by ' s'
6 h 30 min
